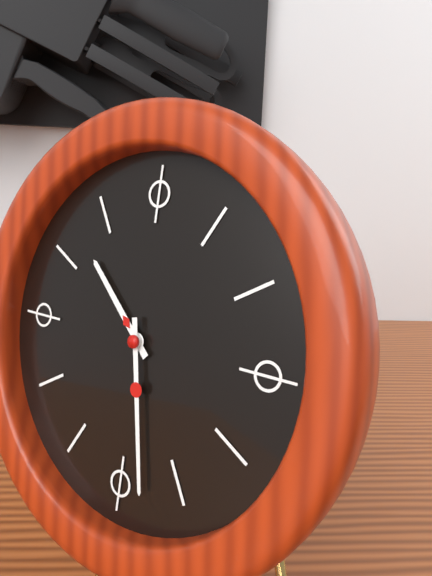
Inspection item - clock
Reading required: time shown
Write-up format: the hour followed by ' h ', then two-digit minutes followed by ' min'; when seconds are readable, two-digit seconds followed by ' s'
10 h 28 min
